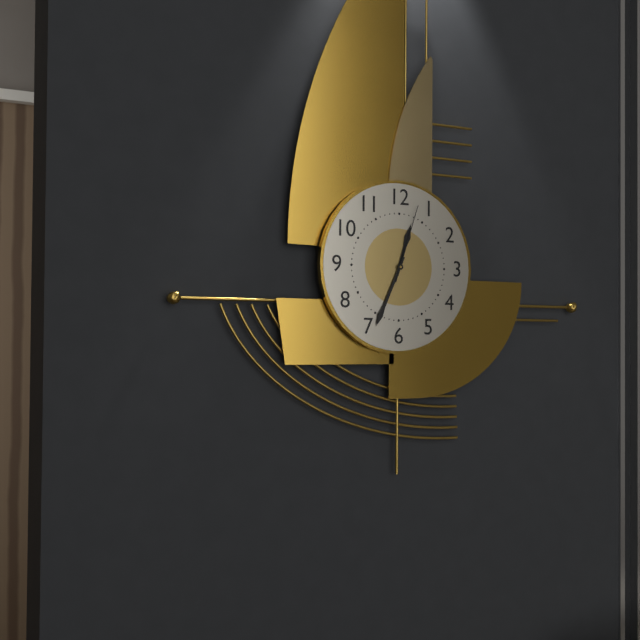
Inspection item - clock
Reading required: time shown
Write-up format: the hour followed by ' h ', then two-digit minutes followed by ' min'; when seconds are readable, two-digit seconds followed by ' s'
12 h 34 min 03 s
